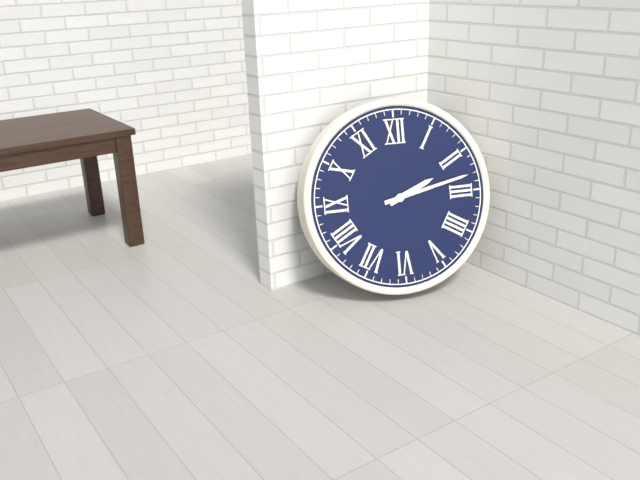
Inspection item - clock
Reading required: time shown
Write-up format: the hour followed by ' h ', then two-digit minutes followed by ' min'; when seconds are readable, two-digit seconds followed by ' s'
2 h 13 min
